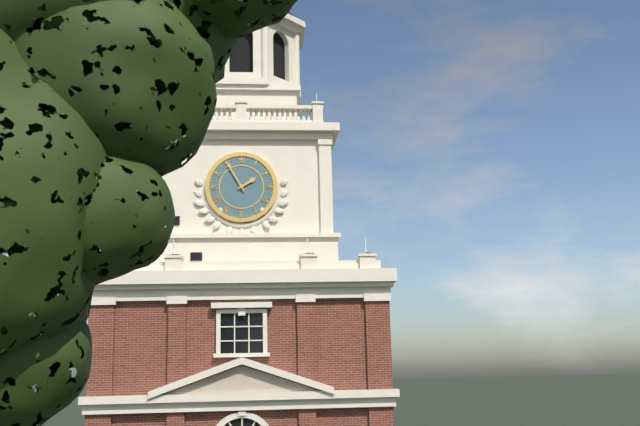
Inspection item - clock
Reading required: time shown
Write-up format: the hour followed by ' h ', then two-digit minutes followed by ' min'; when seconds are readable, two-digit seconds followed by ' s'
1 h 55 min
